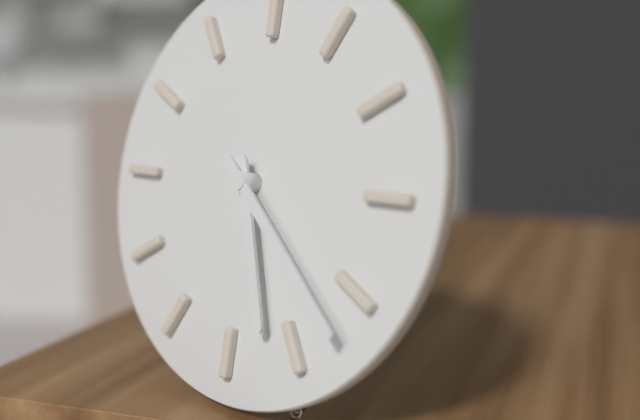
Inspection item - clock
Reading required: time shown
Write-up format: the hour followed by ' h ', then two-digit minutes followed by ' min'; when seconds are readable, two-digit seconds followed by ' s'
5 h 22 min
